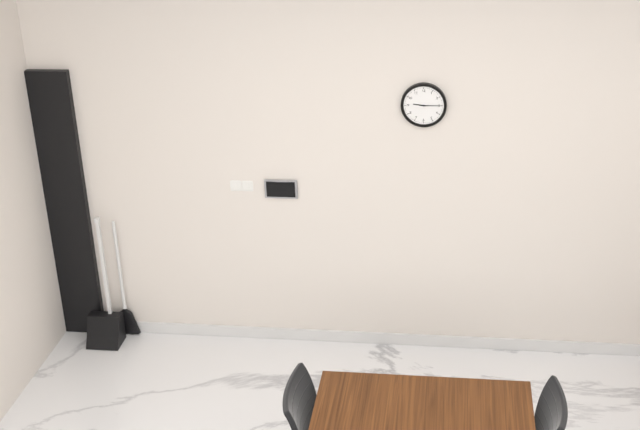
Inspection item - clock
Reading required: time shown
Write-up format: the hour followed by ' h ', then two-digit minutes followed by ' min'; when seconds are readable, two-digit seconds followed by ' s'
9 h 15 min
